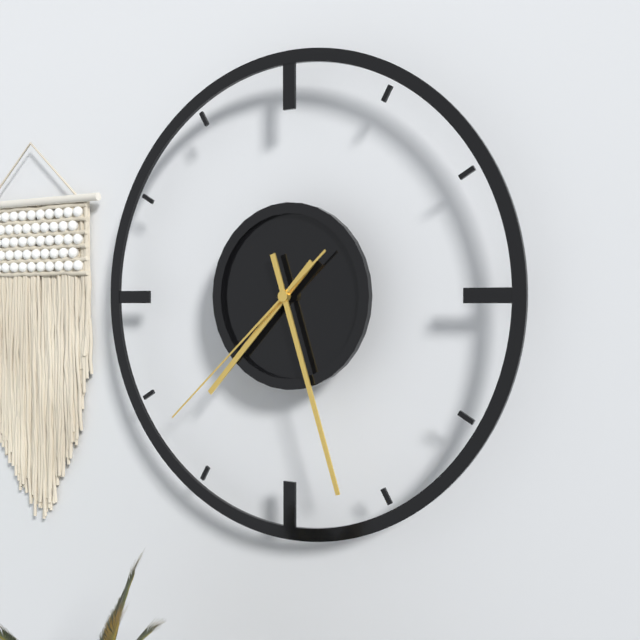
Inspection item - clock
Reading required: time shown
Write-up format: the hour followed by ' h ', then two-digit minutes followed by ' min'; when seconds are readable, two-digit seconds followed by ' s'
7 h 27 min 38 s
